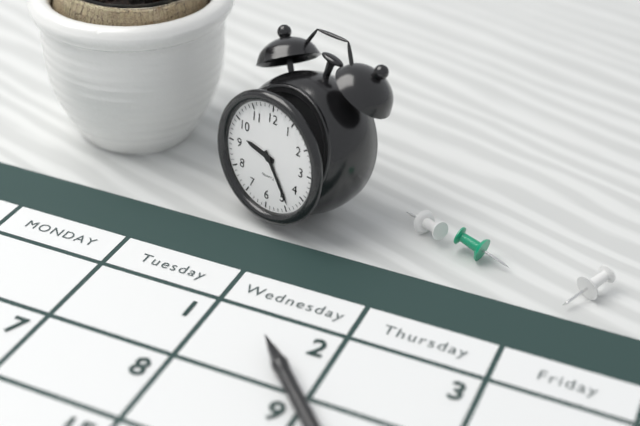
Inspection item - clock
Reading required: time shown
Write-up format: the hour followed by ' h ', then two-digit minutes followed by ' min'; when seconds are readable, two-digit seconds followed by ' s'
9 h 24 min
